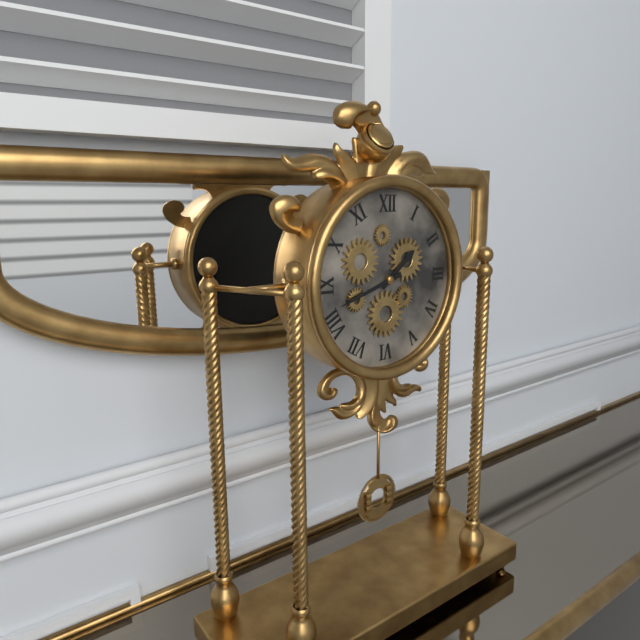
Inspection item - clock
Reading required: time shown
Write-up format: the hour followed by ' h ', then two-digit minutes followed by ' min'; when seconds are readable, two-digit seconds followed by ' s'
1 h 42 min
